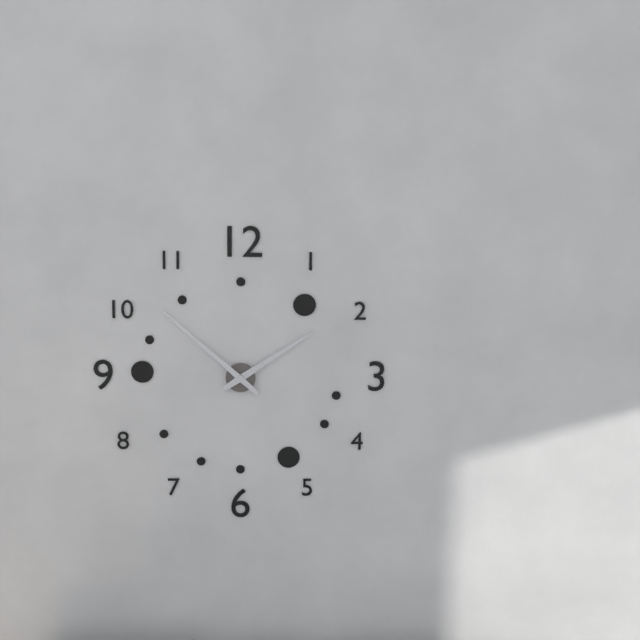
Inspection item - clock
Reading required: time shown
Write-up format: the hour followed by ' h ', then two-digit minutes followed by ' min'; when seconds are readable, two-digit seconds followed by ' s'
1 h 52 min
